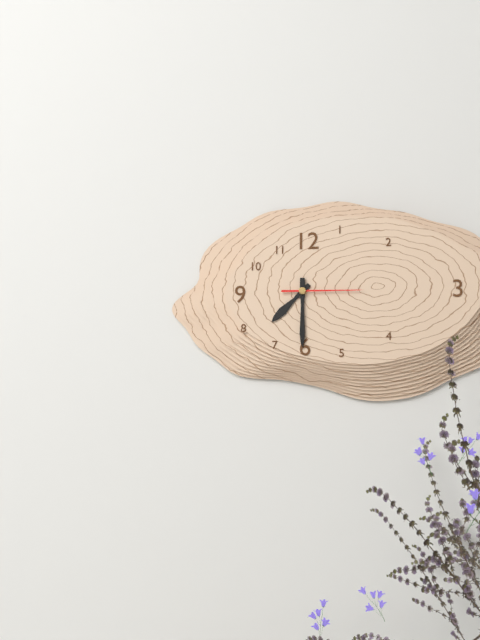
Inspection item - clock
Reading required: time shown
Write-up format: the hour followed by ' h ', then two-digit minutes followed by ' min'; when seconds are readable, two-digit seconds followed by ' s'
7 h 30 min 15 s
